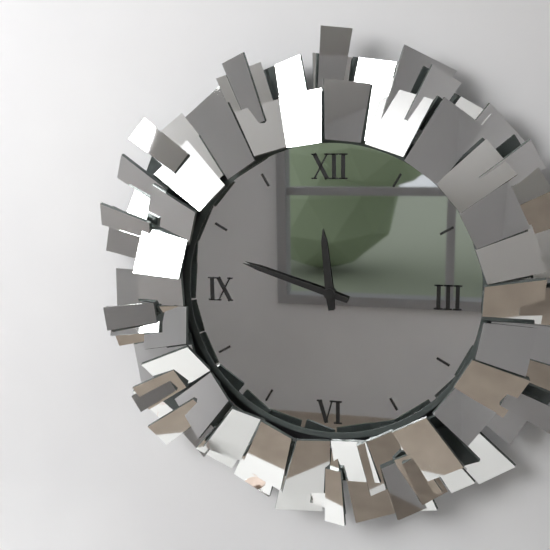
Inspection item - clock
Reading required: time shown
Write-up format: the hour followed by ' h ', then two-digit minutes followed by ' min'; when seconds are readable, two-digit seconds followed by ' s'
11 h 48 min
